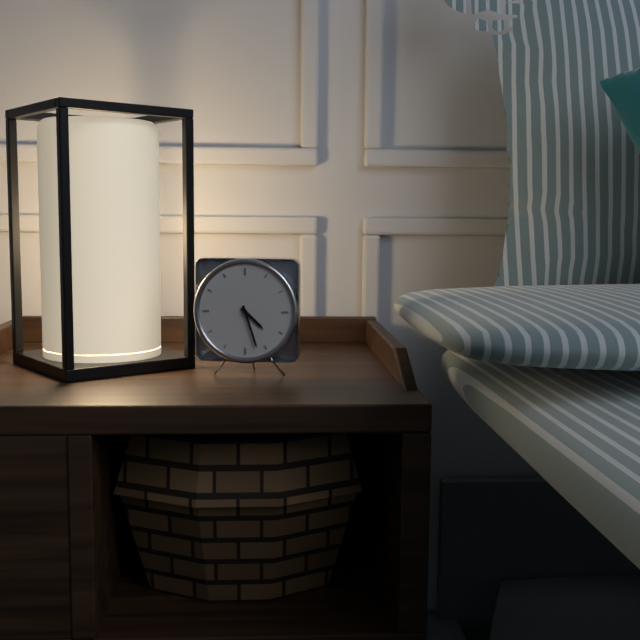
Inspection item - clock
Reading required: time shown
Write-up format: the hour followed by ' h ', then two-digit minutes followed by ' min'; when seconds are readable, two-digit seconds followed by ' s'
4 h 27 min
